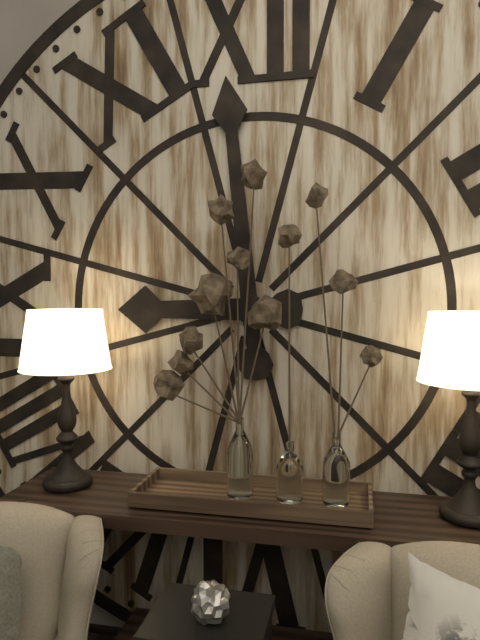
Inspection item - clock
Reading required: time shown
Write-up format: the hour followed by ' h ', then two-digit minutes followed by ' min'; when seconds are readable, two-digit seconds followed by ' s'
8 h 59 min
